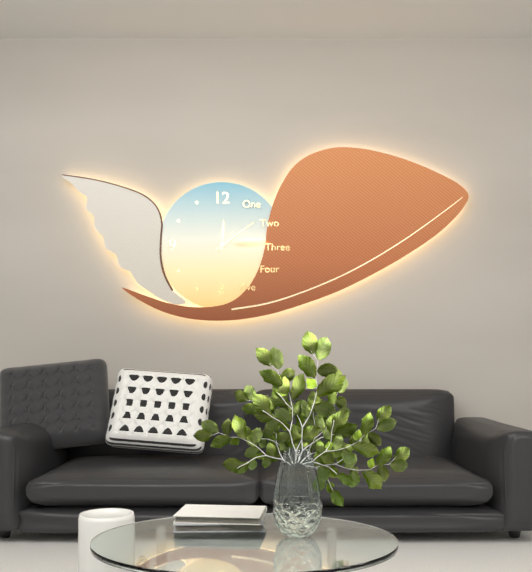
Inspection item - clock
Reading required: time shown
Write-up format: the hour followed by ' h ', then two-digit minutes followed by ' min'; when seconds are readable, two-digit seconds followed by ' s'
12 h 09 min
